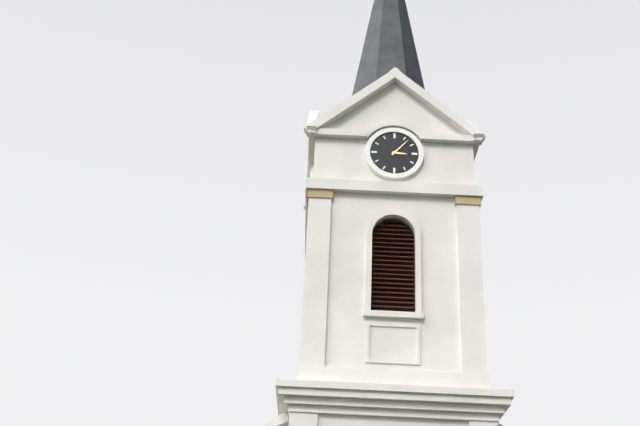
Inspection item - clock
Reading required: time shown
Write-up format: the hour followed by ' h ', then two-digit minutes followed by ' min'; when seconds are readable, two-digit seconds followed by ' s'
3 h 07 min
